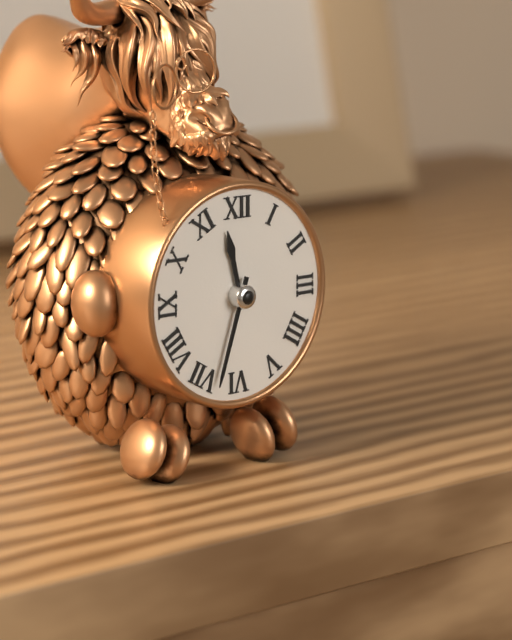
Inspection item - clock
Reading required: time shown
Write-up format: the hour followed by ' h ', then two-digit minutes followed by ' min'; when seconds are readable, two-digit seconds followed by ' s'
11 h 33 min
